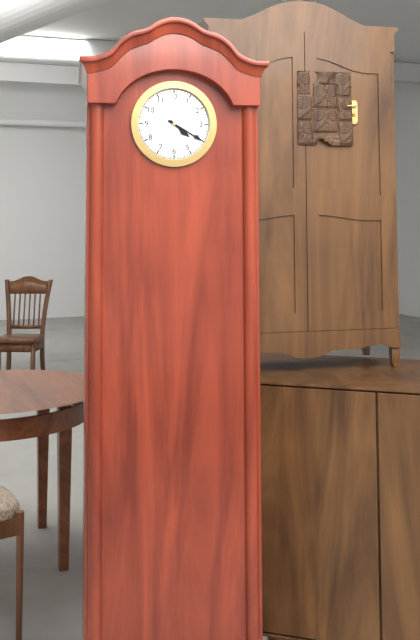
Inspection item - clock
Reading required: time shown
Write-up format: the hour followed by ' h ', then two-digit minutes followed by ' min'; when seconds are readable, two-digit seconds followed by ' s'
4 h 20 min
